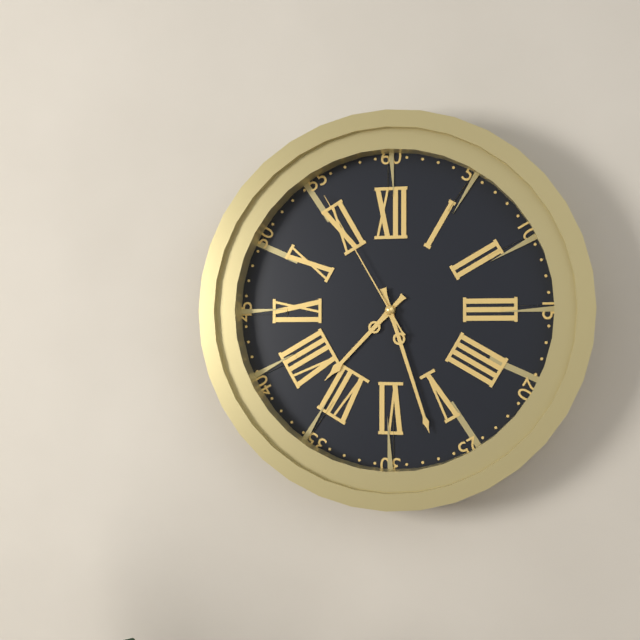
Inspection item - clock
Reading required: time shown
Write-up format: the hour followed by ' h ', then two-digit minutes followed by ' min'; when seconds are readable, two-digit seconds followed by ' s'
7 h 27 min 55 s
